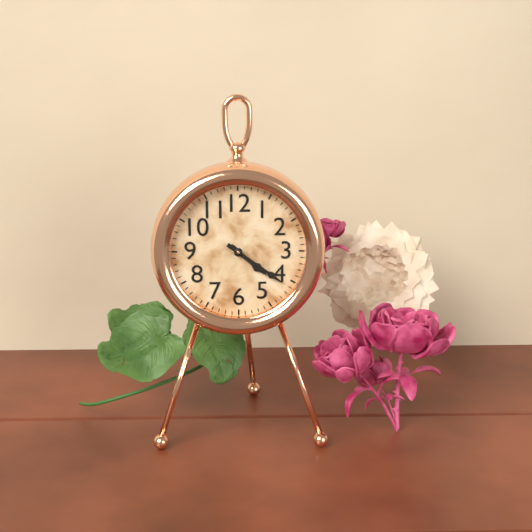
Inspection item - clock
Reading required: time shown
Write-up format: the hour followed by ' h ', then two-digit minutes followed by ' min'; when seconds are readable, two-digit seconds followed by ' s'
4 h 21 min
